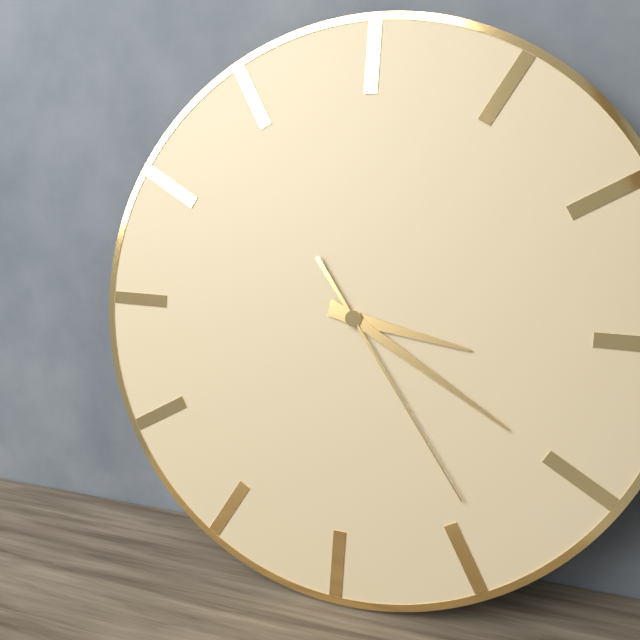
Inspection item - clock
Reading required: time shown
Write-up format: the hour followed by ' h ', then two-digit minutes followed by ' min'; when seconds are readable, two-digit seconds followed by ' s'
3 h 20 min 24 s
